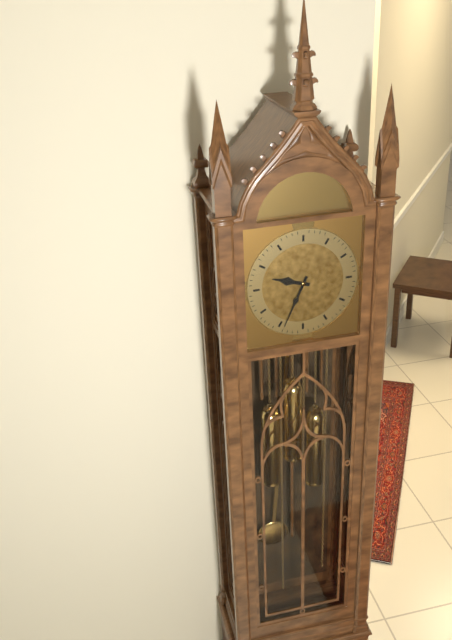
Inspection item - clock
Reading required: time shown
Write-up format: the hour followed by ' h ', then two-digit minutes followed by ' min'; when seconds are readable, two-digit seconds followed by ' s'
9 h 34 min
